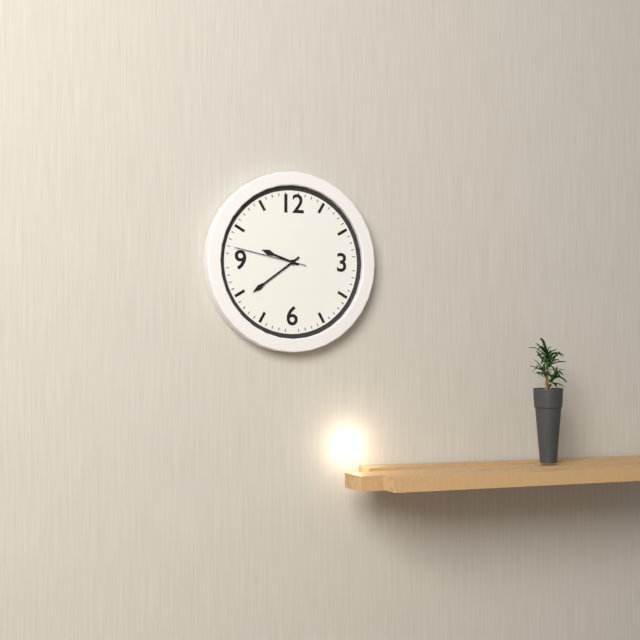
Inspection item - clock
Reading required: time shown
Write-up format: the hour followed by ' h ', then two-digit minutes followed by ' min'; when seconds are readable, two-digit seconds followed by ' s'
9 h 39 min 47 s
